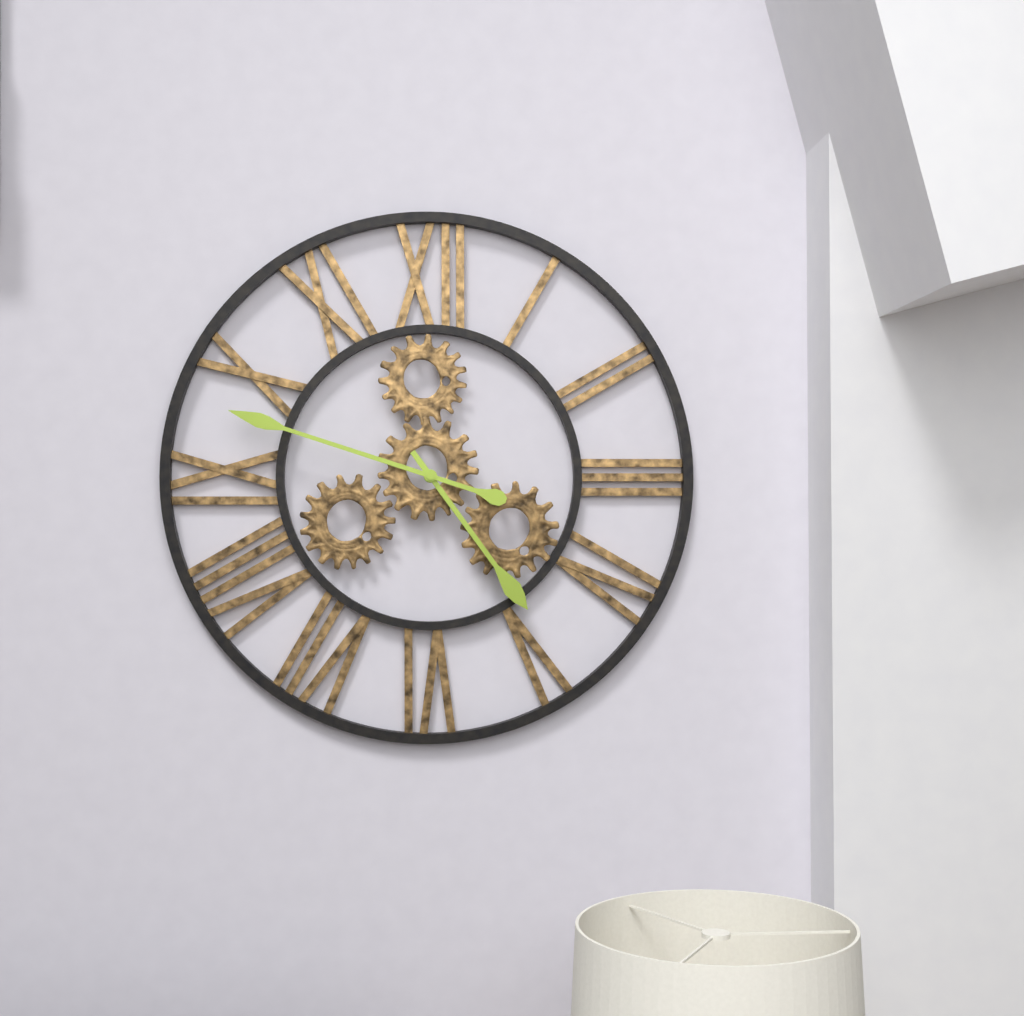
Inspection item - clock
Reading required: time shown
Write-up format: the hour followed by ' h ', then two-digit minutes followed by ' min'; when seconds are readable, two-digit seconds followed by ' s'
4 h 48 min
